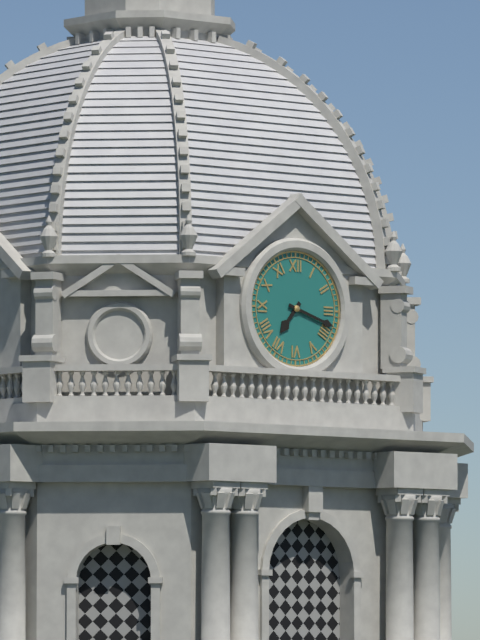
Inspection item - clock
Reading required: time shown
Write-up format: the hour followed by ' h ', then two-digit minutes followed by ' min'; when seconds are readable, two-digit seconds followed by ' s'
7 h 18 min
